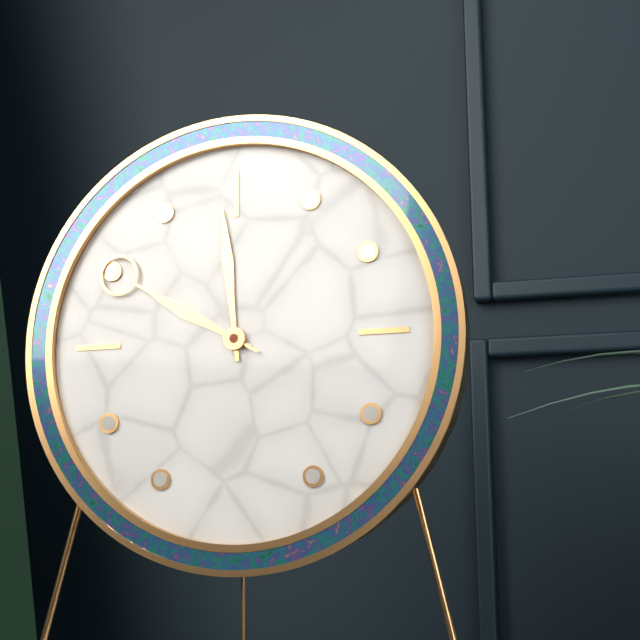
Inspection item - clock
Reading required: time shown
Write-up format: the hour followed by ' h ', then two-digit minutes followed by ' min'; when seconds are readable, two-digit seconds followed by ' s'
9 h 59 min 50 s
